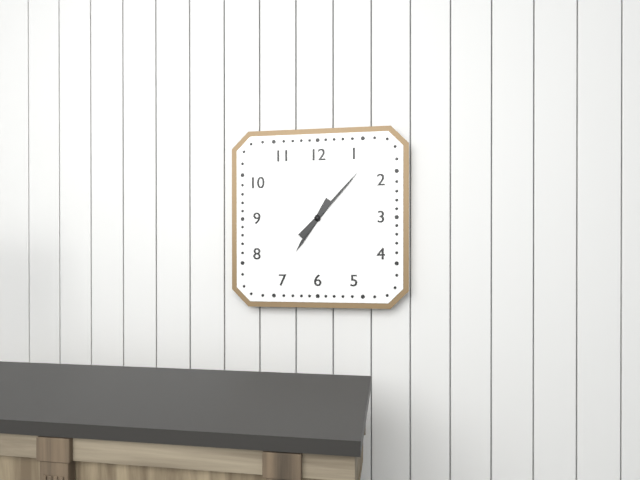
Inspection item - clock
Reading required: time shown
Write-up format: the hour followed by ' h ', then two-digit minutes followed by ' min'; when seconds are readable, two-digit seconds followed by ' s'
7 h 07 min
